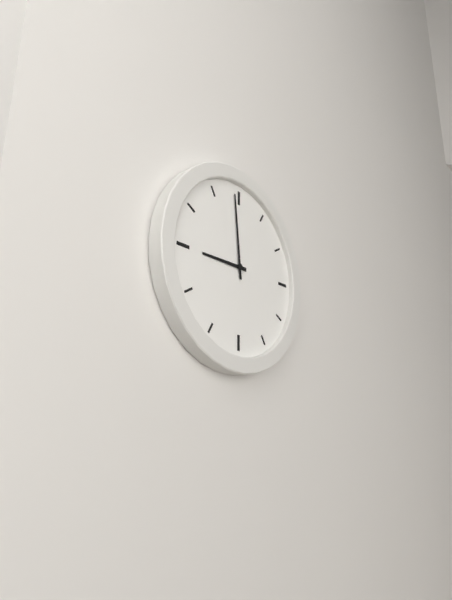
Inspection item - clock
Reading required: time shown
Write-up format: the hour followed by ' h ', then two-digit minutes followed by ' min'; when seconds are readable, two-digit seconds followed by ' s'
8 h 59 min
